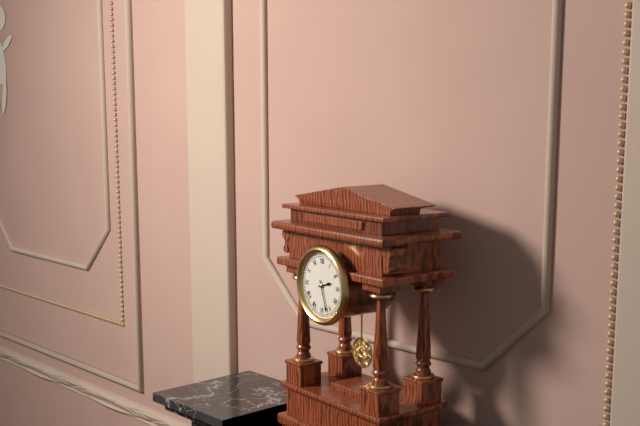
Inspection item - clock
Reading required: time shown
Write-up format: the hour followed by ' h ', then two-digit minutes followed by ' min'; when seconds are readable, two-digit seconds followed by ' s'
2 h 27 min
